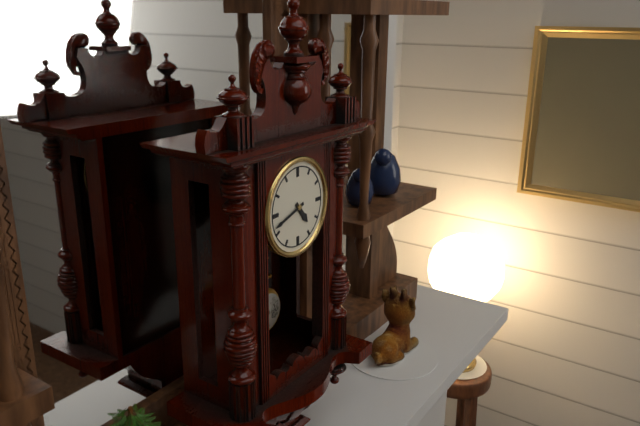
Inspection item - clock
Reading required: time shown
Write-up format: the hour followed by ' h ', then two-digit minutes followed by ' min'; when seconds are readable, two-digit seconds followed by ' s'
4 h 42 min
